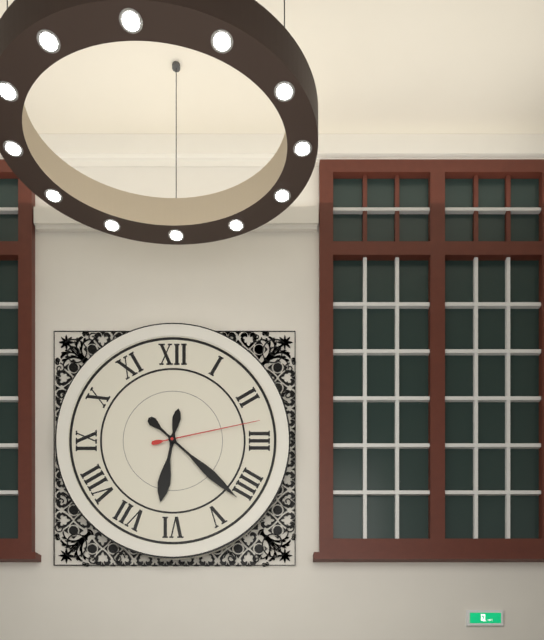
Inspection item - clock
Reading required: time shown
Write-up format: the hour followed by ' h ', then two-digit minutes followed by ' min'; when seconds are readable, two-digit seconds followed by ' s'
6 h 22 min 13 s
